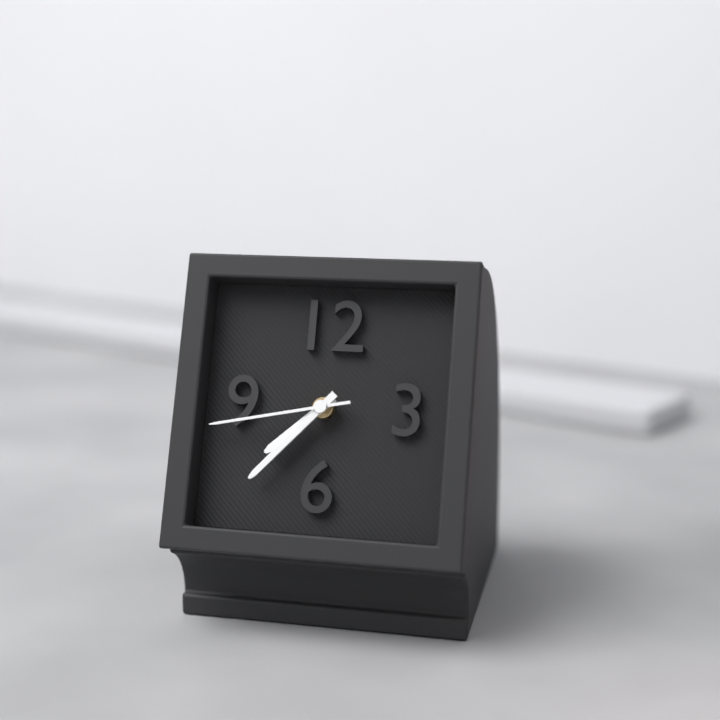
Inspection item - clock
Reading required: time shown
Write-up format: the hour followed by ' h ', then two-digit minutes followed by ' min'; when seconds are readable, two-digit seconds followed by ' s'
7 h 37 min 43 s
